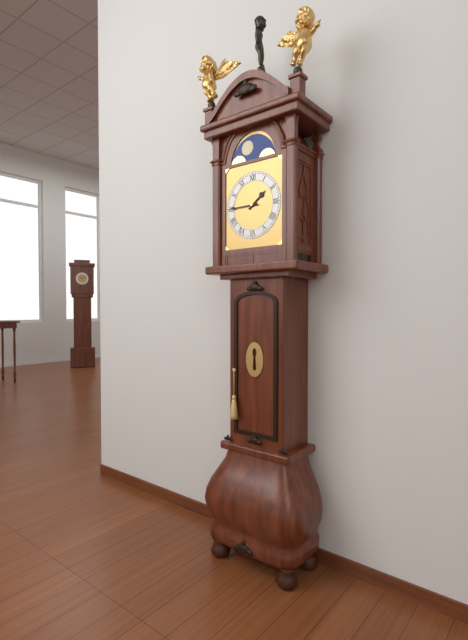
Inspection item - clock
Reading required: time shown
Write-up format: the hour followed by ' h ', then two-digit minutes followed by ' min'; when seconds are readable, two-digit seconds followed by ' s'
1 h 45 min
